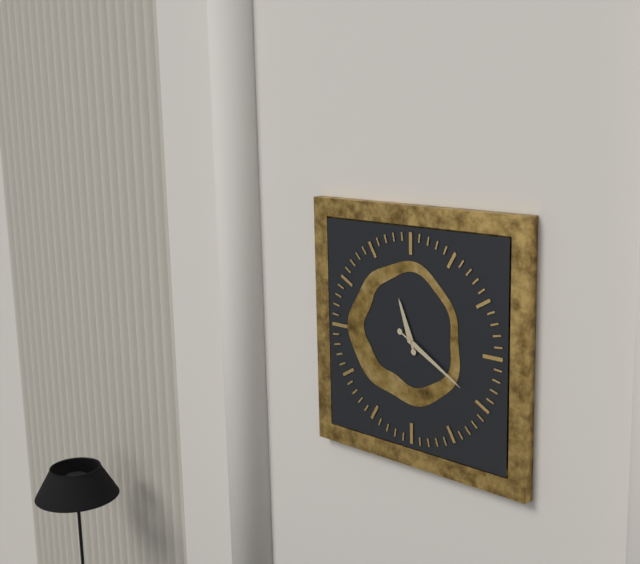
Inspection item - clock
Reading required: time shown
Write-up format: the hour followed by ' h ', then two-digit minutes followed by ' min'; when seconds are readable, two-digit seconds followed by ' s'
11 h 20 min
